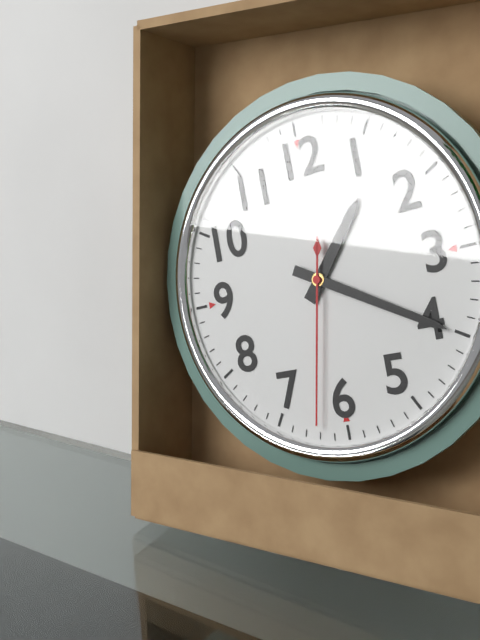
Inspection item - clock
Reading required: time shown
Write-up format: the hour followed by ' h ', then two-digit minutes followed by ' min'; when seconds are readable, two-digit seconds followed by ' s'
1 h 20 min 32 s
